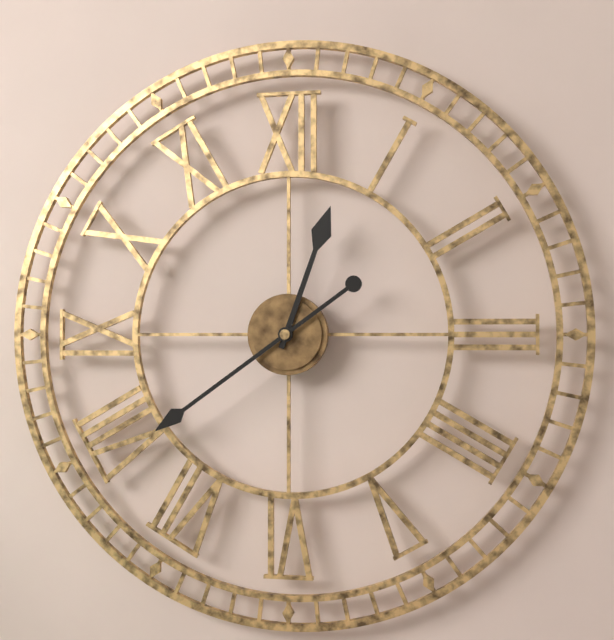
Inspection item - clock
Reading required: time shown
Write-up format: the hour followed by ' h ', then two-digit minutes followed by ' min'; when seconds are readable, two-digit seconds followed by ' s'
12 h 39 min
